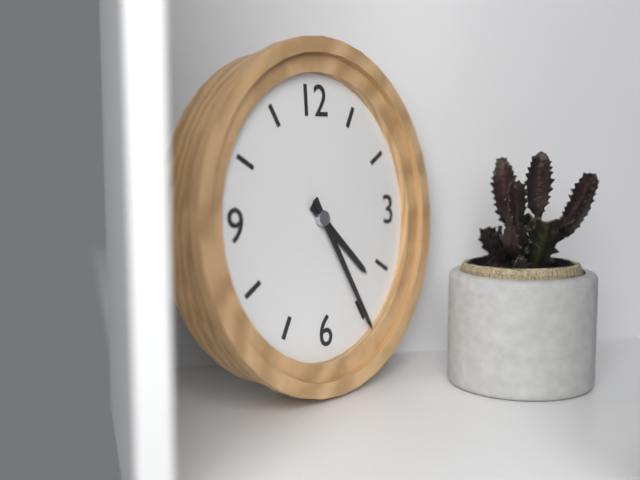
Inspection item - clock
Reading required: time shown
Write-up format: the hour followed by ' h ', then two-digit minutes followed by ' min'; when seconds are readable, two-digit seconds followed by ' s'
4 h 25 min
